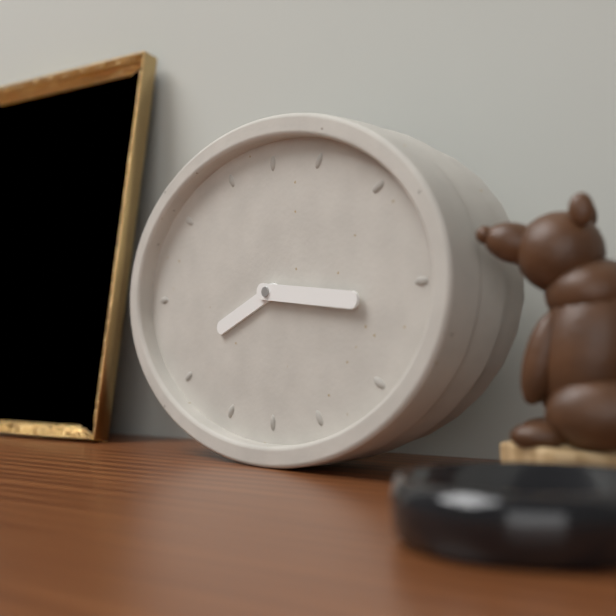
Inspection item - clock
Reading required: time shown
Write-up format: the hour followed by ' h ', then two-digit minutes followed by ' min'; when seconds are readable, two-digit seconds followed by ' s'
8 h 16 min
